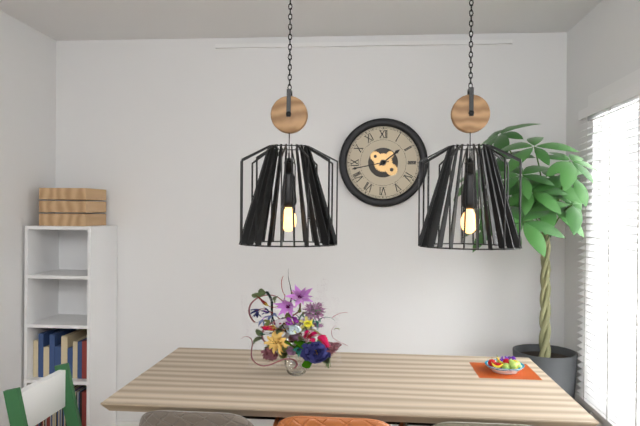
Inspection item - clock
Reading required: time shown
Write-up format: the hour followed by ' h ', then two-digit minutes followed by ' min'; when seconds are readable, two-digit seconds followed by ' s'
1 h 43 min
